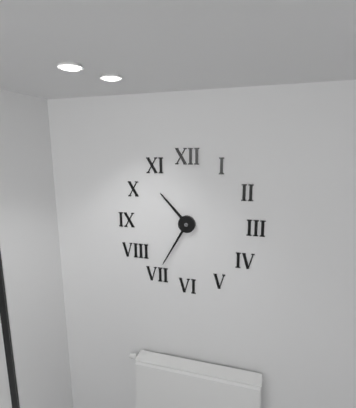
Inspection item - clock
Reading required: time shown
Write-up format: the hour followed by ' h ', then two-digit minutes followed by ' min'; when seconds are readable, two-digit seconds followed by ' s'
10 h 35 min
